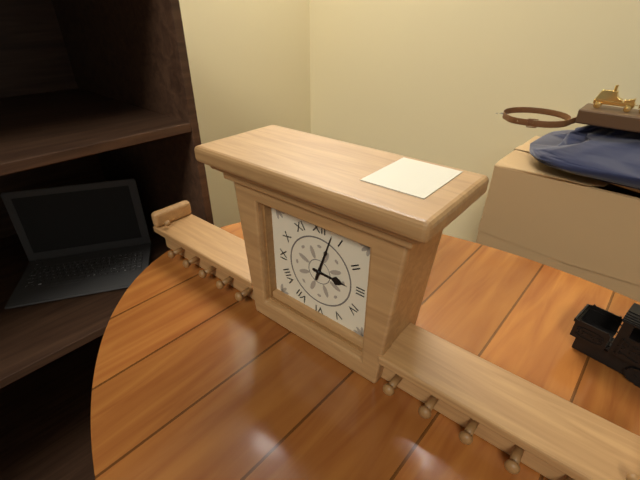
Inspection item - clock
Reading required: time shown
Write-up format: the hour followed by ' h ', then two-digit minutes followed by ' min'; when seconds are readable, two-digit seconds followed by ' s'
3 h 03 min
